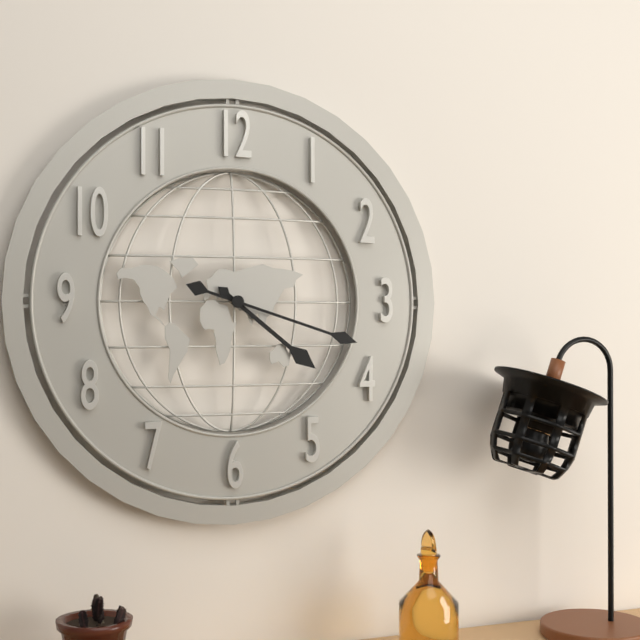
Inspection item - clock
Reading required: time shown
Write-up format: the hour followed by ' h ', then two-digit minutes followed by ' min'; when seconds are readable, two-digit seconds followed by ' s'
4 h 18 min
